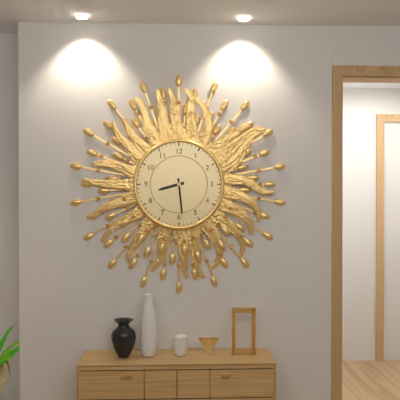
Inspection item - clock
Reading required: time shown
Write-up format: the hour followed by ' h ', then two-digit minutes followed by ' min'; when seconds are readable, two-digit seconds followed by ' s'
8 h 29 min
